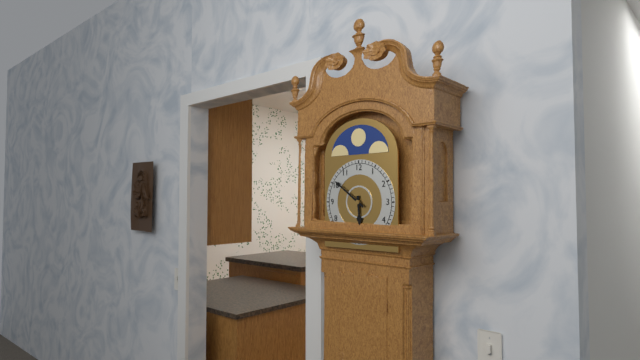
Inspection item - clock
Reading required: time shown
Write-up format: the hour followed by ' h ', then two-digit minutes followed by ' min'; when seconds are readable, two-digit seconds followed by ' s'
5 h 51 min
